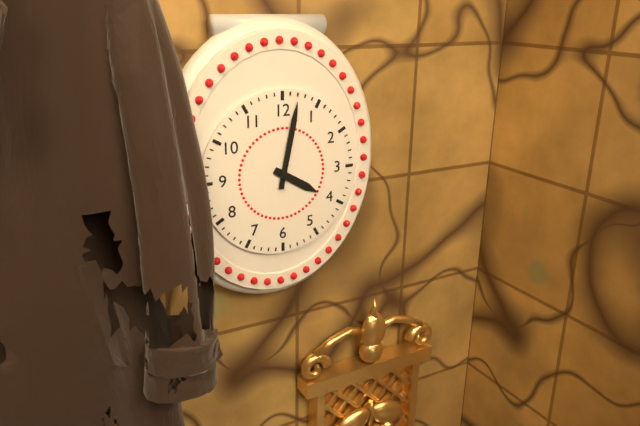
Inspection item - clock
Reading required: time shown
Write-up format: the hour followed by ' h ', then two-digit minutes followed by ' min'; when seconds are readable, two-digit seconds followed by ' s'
4 h 02 min
